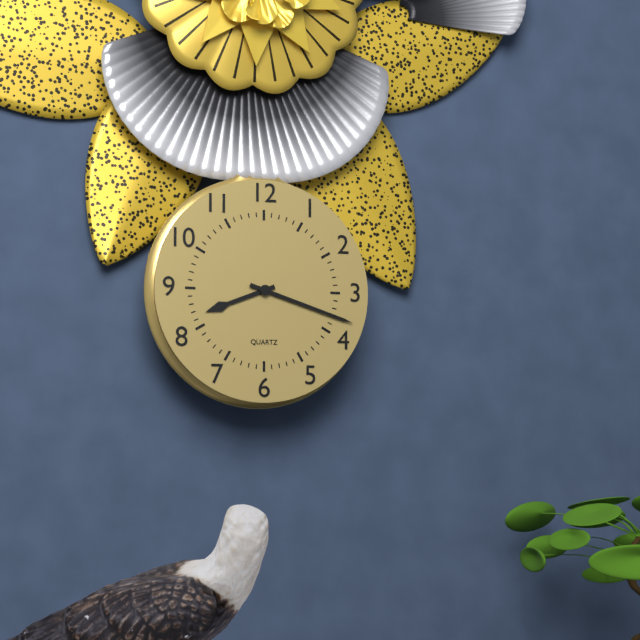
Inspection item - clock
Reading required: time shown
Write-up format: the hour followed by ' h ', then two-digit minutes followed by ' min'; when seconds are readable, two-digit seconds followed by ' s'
8 h 18 min
